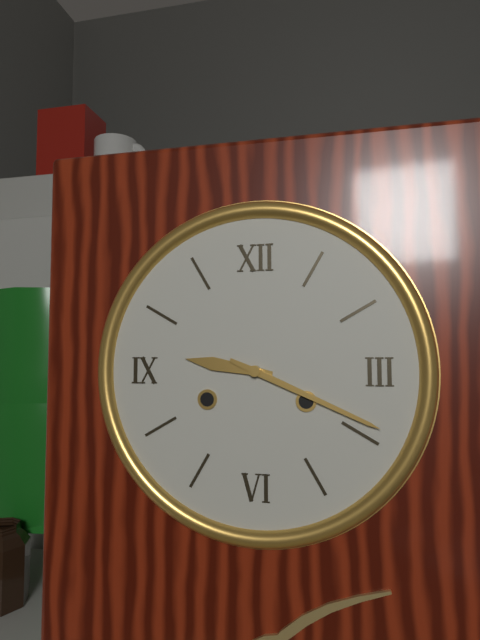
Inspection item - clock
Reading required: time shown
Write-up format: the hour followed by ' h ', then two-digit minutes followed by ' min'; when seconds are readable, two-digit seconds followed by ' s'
9 h 19 min
